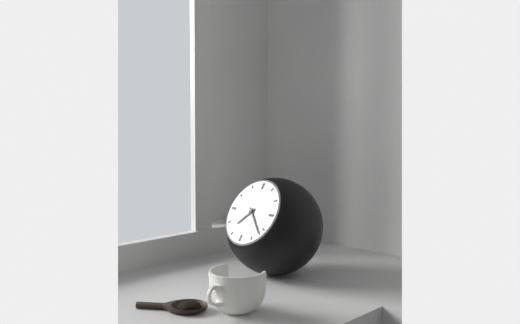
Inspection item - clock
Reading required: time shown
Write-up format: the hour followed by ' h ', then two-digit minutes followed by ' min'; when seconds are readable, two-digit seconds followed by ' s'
7 h 22 min
